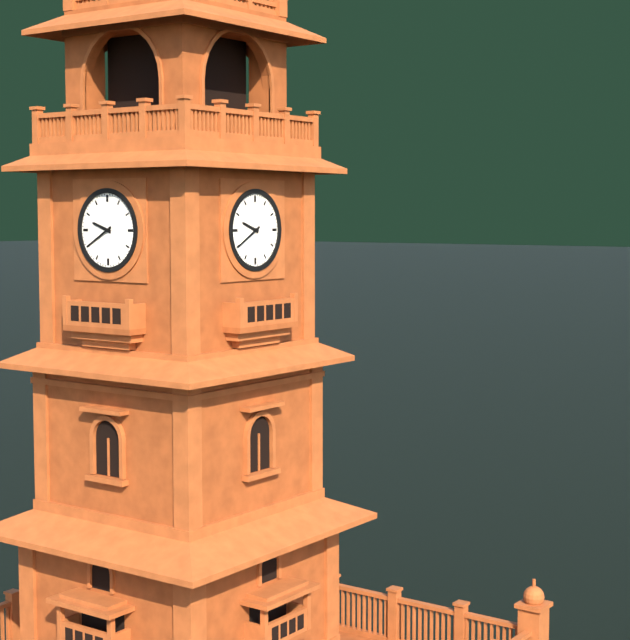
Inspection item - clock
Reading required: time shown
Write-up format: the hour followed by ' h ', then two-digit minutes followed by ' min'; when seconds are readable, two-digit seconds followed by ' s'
9 h 40 min
